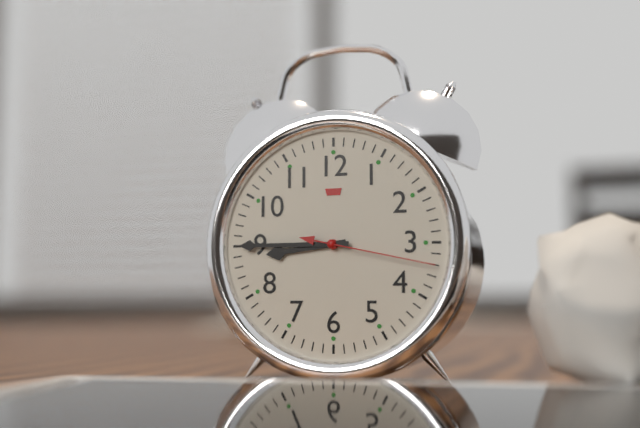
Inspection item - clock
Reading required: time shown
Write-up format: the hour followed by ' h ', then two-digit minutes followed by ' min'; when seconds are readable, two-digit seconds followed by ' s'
8 h 45 min 17 s
